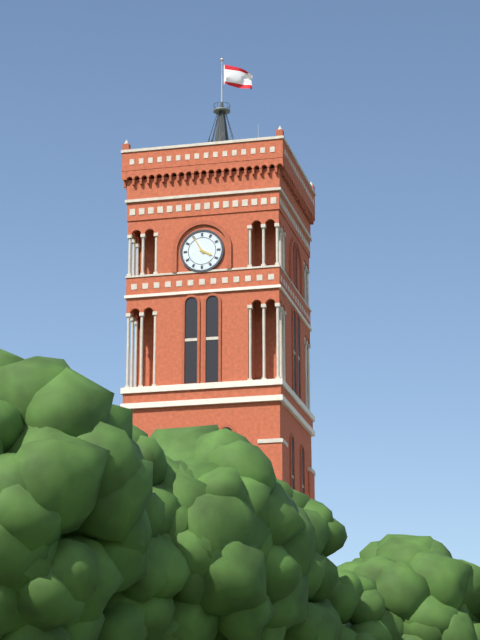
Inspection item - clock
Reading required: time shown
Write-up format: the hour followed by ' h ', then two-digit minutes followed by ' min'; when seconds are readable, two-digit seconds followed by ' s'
3 h 55 min
